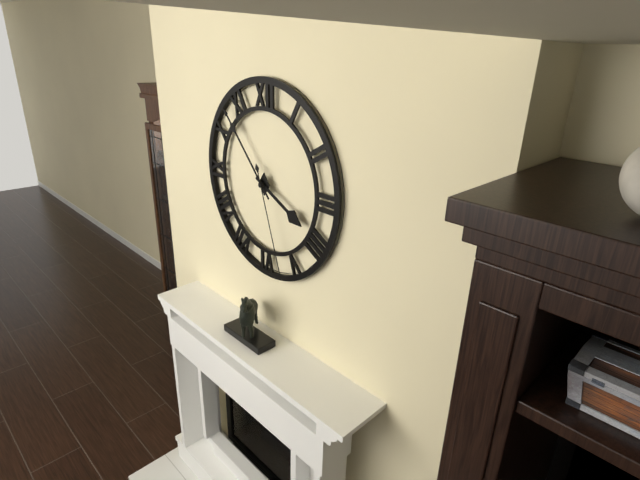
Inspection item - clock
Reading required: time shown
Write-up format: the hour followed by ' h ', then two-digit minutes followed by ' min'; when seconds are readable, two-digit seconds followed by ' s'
3 h 53 min 27 s
